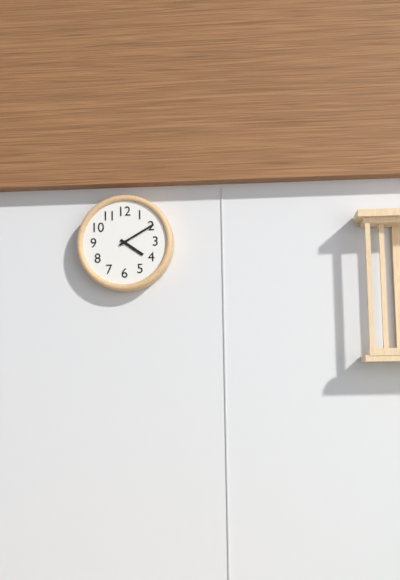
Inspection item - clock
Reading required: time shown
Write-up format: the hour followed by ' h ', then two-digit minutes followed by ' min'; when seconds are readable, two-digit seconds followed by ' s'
4 h 10 min
